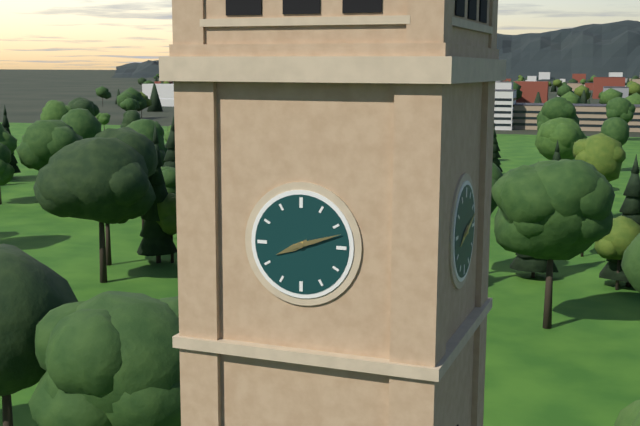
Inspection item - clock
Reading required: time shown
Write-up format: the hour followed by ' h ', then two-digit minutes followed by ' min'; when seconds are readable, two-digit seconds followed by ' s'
8 h 12 min
